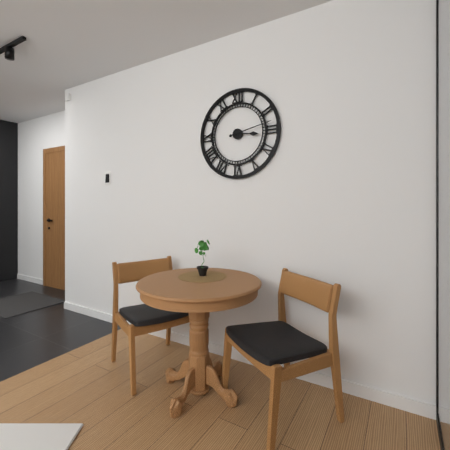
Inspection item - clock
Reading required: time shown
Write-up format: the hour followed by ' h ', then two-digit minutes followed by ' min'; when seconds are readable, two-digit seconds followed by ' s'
3 h 13 min
